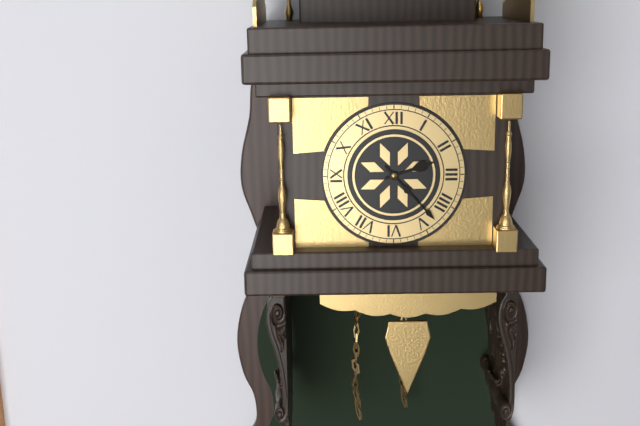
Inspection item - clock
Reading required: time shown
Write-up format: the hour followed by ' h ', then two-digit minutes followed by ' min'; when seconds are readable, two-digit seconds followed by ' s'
2 h 23 min
